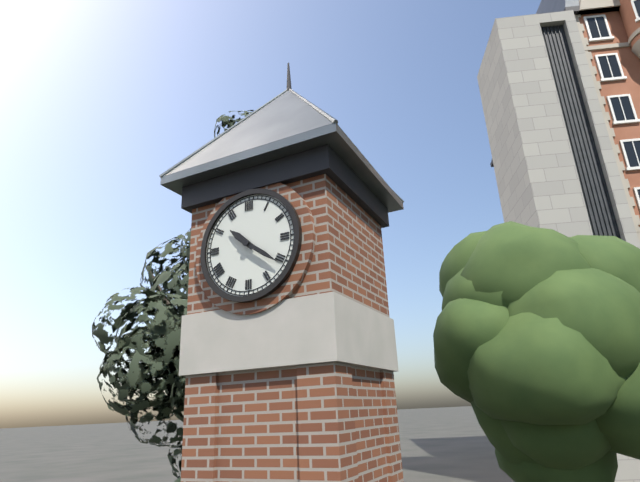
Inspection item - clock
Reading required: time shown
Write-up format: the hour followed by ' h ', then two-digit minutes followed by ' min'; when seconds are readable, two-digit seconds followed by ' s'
10 h 21 min
